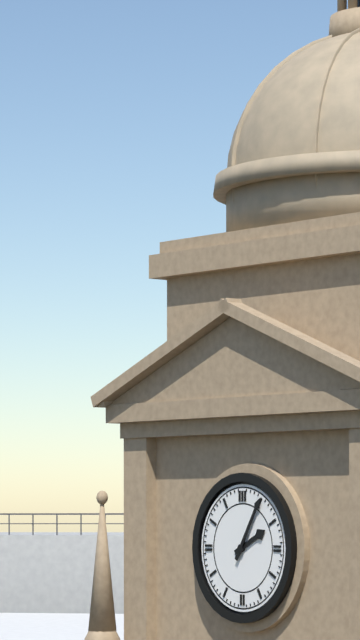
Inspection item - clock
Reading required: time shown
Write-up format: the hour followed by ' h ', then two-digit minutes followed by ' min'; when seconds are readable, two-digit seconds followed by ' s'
2 h 05 min
